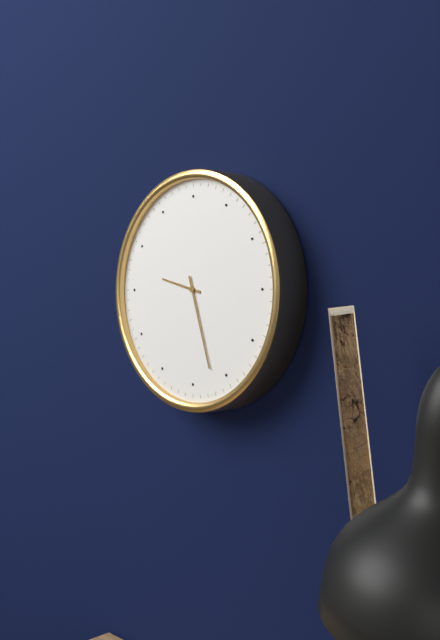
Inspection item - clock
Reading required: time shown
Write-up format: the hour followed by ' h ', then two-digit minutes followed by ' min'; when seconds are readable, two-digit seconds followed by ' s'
9 h 27 min
